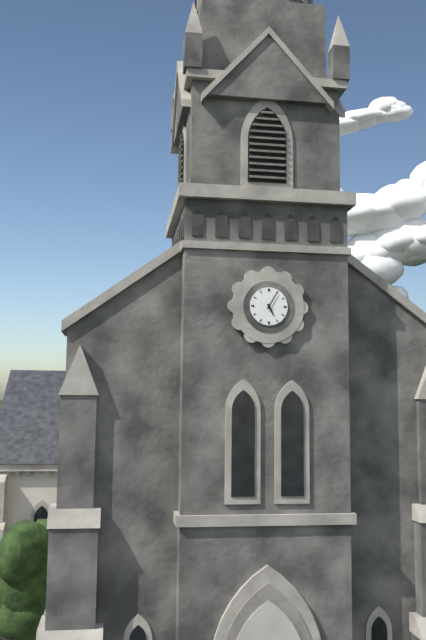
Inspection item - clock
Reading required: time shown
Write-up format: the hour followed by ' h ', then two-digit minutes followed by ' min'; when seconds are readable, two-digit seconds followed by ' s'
5 h 05 min
